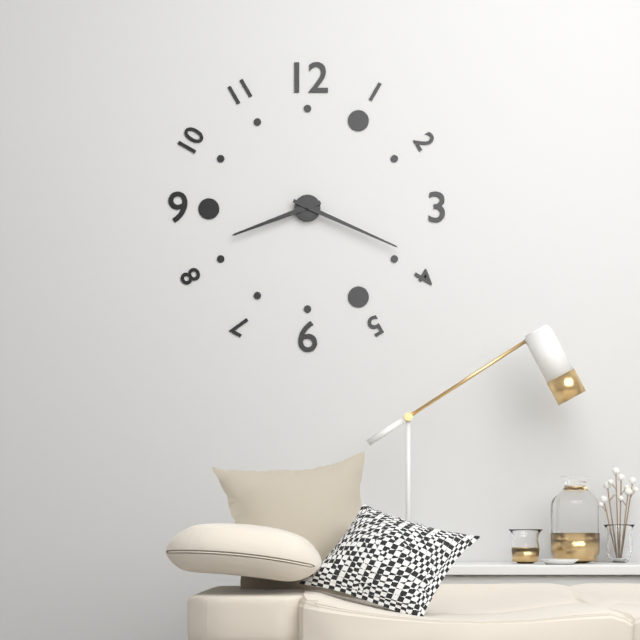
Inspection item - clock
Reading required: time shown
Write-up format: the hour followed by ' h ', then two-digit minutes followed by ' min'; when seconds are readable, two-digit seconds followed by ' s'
8 h 19 min
